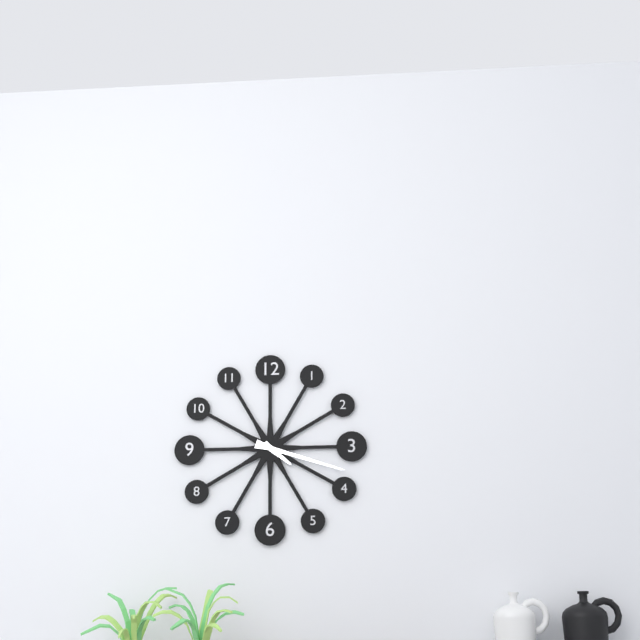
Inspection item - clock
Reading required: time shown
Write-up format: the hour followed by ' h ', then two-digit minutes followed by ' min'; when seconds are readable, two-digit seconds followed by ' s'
4 h 18 min
